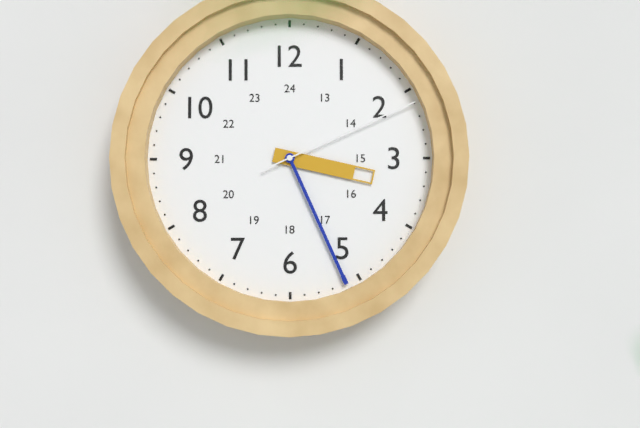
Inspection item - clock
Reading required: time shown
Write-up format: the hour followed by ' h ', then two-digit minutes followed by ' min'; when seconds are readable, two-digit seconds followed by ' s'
3 h 26 min 11 s
